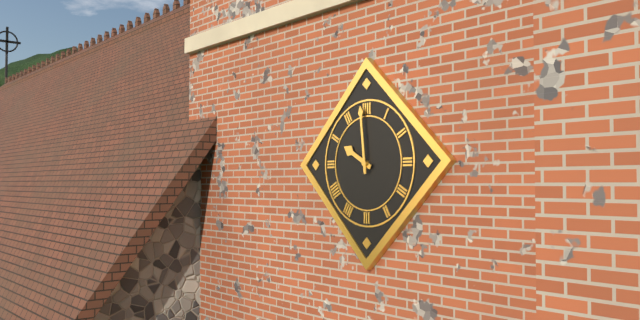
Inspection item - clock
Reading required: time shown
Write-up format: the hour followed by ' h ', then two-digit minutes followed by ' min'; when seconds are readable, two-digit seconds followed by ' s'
9 h 59 min
